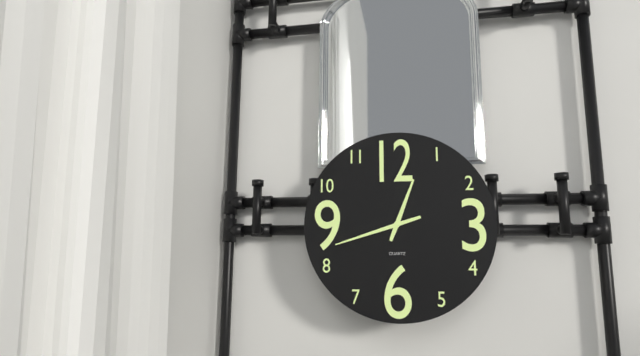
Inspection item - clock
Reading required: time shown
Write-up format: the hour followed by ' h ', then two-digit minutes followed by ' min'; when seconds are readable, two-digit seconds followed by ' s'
12 h 42 min
